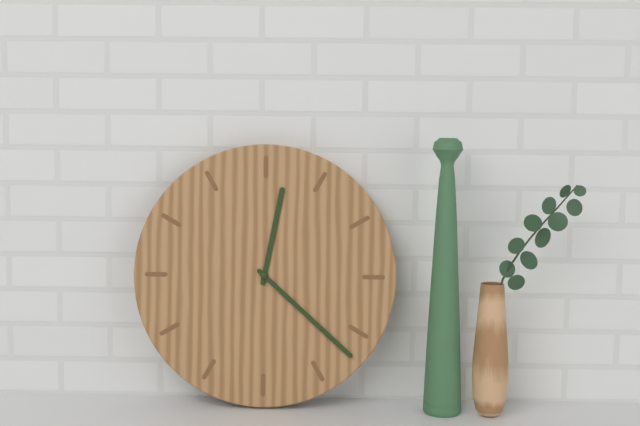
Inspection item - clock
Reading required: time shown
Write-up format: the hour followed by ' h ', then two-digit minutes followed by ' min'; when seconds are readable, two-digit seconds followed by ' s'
12 h 22 min
